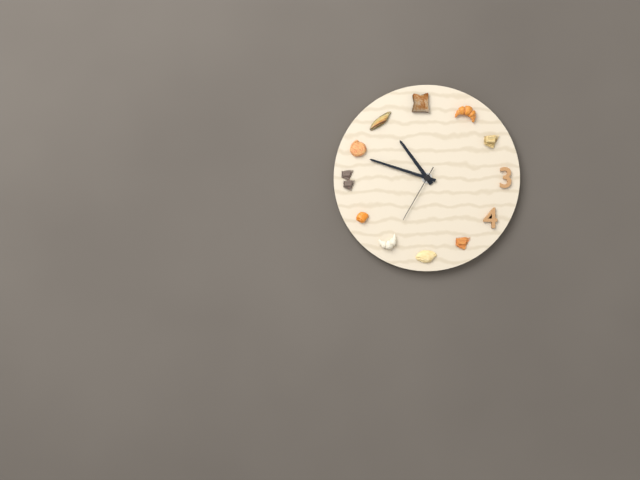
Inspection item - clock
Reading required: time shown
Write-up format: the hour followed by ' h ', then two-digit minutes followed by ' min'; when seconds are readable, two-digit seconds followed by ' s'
10 h 48 min 35 s
